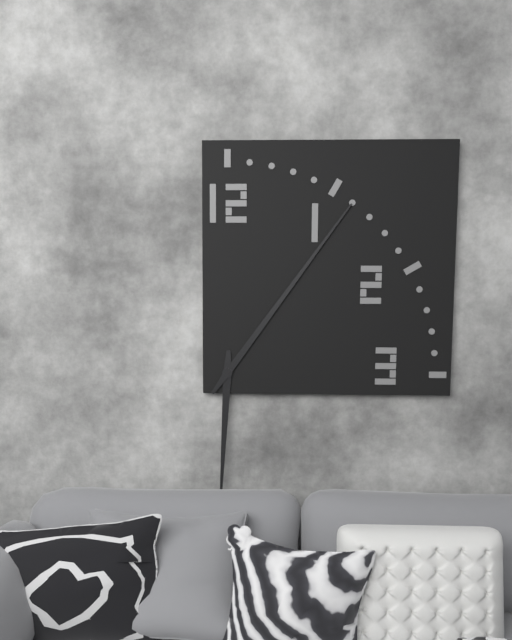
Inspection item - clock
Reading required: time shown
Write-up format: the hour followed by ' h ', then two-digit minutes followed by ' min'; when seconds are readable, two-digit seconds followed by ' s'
6 h 06 min
